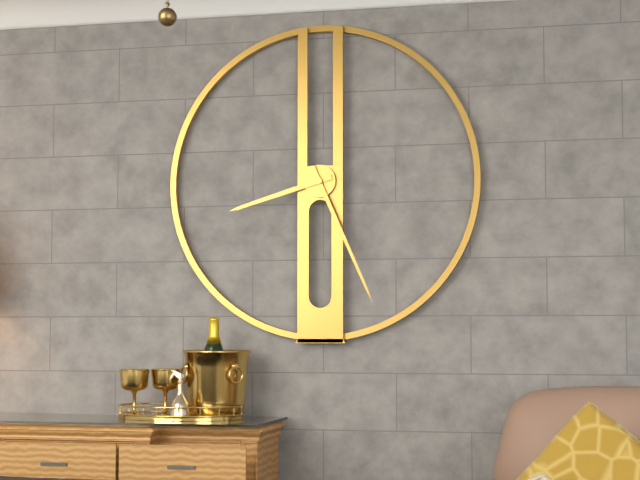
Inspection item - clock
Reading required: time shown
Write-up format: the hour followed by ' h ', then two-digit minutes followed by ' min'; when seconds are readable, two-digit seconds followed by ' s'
8 h 26 min
